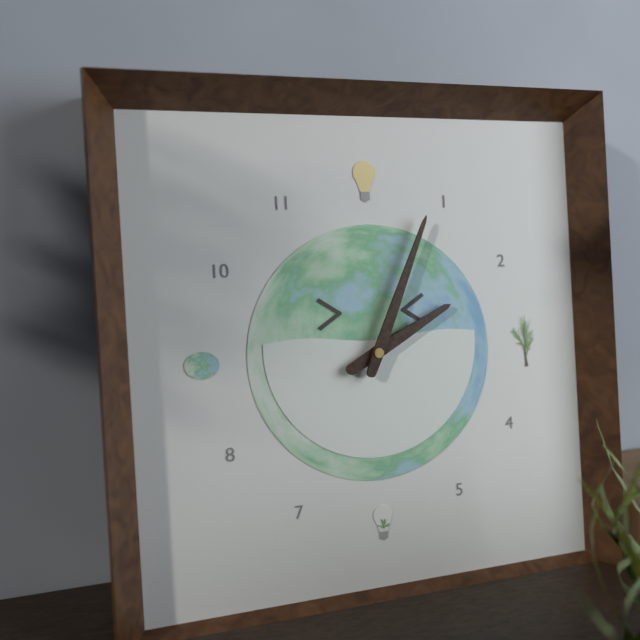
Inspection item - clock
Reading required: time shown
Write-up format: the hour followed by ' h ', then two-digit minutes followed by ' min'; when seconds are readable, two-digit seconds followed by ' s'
2 h 04 min
